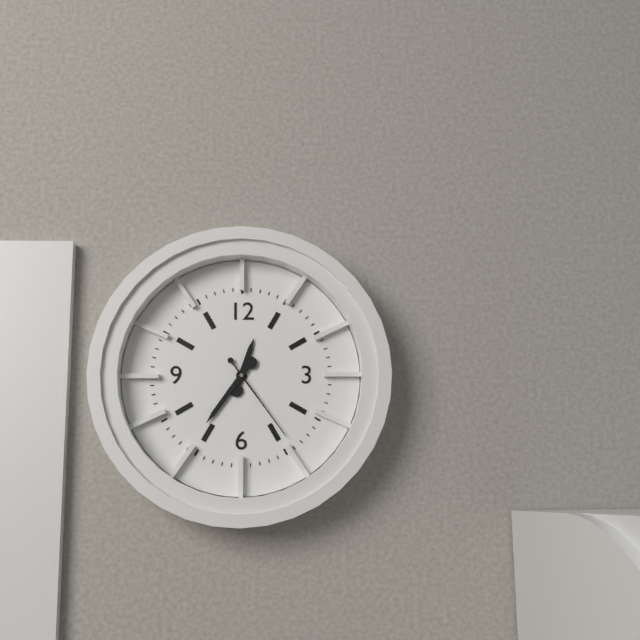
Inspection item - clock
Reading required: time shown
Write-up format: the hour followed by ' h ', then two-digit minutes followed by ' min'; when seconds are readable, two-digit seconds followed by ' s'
12 h 36 min 24 s
